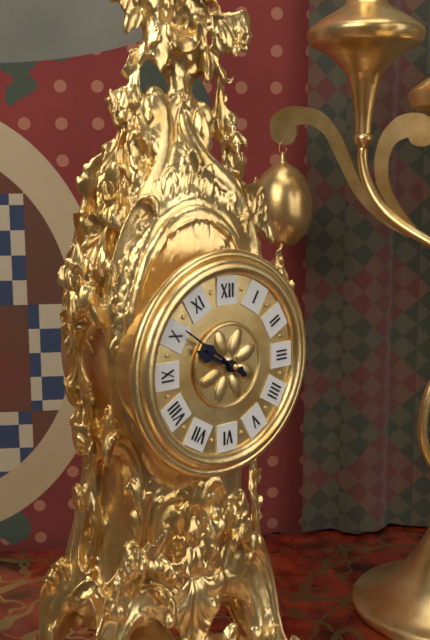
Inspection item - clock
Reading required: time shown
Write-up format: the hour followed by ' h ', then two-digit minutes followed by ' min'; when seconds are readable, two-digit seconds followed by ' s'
9 h 51 min
